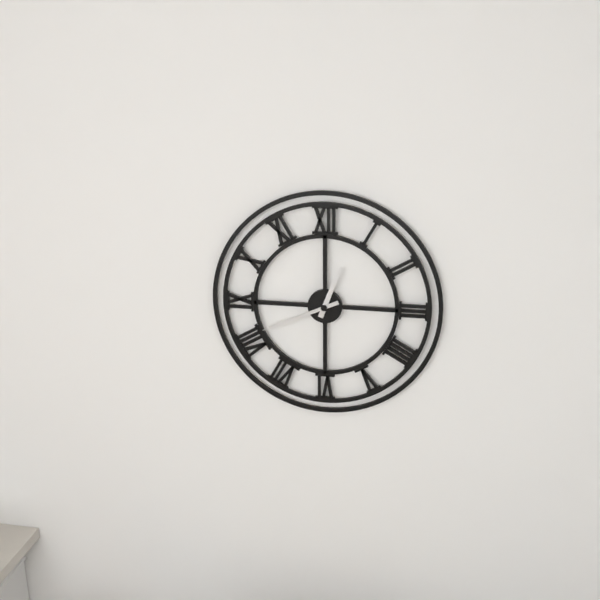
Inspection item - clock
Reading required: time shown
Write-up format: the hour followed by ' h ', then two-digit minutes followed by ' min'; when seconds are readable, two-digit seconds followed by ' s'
12 h 41 min
